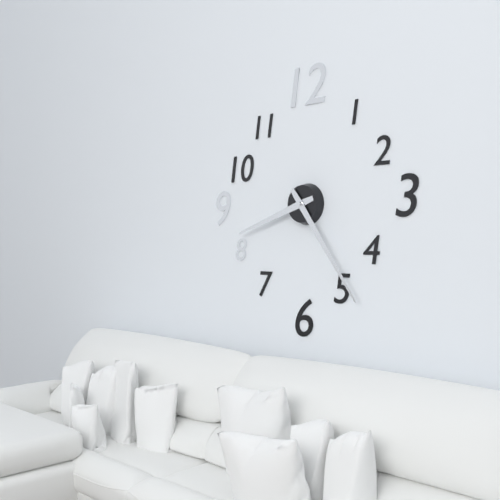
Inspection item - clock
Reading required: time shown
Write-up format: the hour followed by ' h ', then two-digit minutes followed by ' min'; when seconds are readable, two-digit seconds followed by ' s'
8 h 24 min
